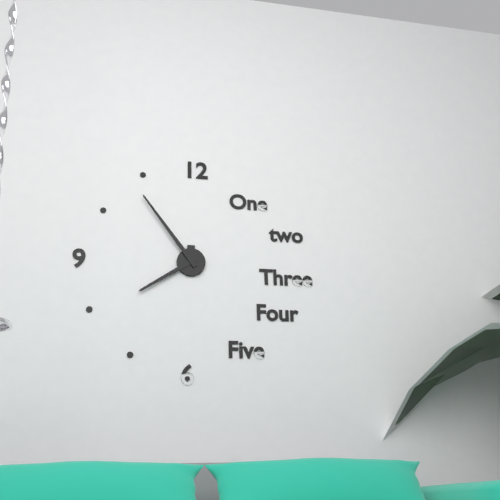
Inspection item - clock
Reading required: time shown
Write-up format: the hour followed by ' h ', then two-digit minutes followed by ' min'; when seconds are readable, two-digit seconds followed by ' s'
7 h 54 min
